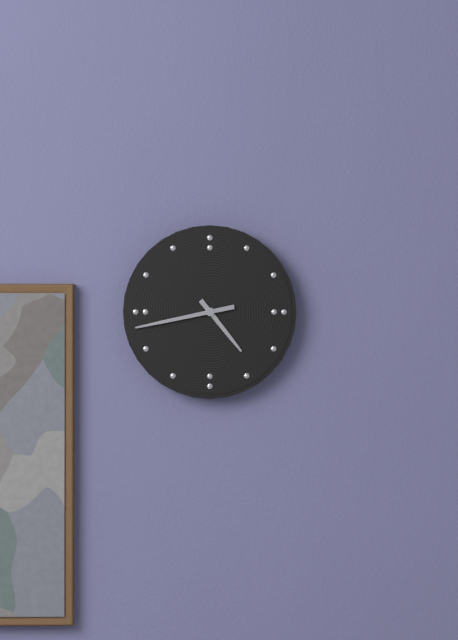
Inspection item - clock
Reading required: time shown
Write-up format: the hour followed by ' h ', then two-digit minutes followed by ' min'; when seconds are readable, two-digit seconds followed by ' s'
4 h 43 min
